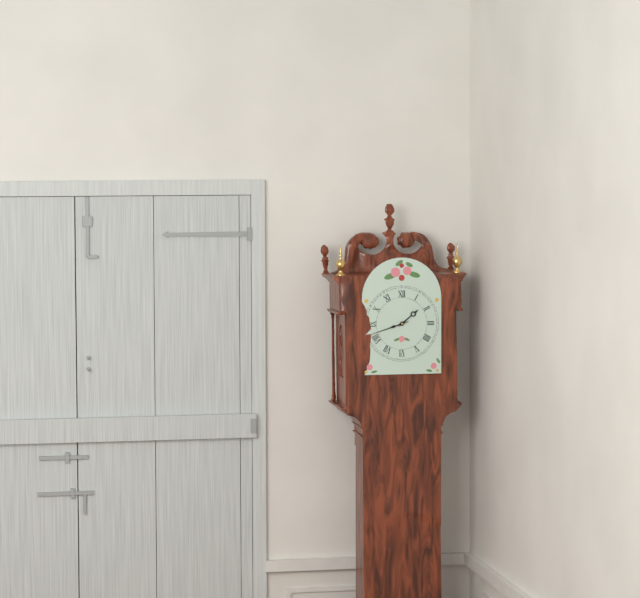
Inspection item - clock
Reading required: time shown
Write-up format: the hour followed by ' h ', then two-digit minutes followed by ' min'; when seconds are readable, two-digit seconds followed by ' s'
1 h 42 min
